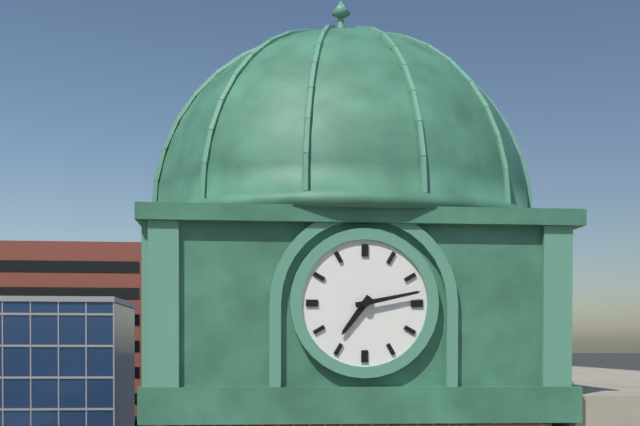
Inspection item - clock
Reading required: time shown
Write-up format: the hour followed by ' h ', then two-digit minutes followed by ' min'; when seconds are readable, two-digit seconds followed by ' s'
7 h 13 min
